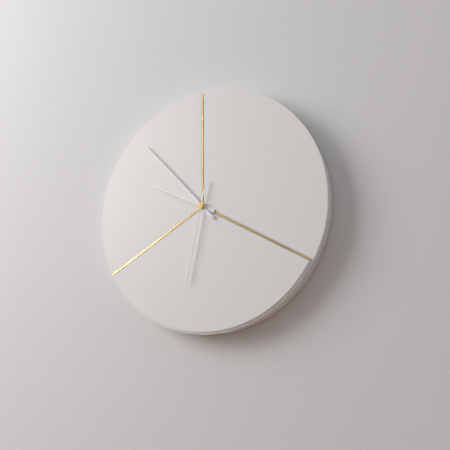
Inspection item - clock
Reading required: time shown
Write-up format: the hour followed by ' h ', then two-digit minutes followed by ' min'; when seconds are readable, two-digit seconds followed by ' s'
9 h 53 min 32 s
